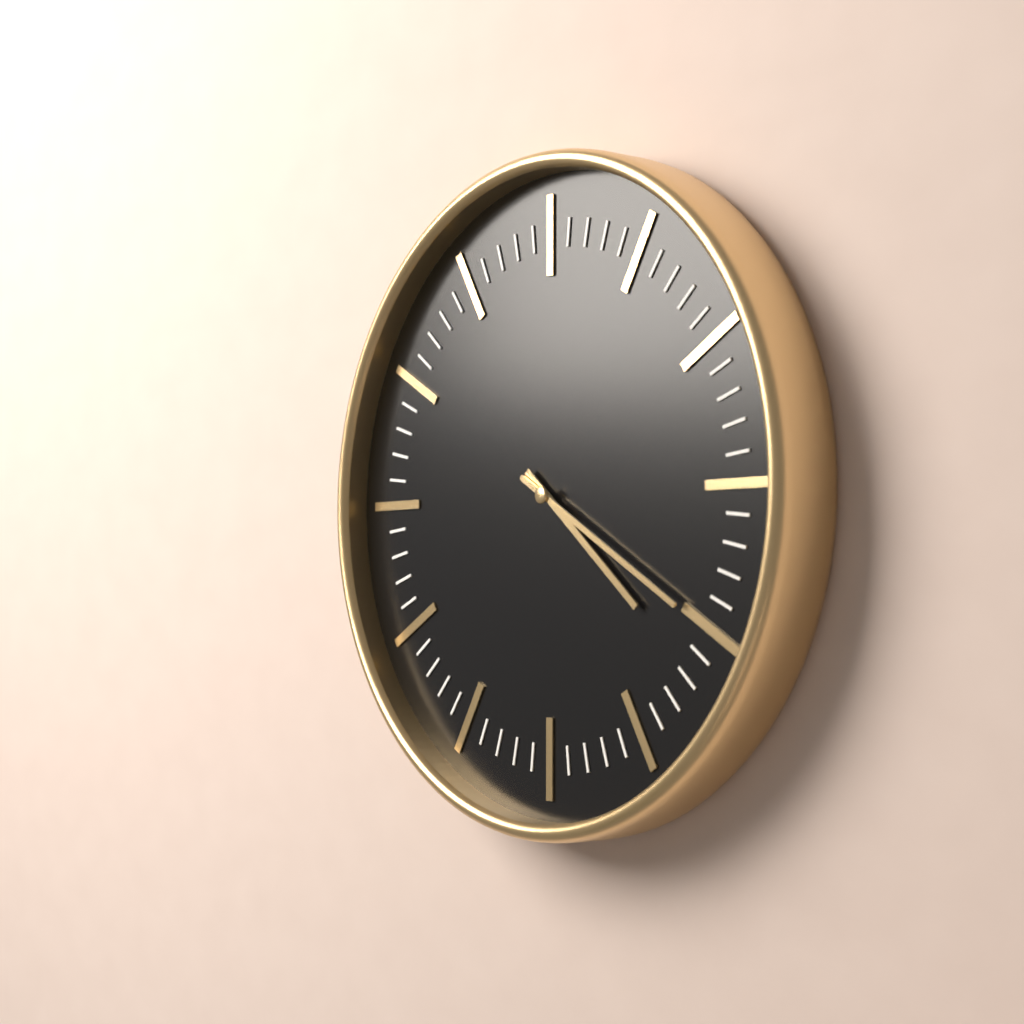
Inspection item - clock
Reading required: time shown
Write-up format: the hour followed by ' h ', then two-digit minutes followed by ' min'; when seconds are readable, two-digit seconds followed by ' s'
4 h 20 min
